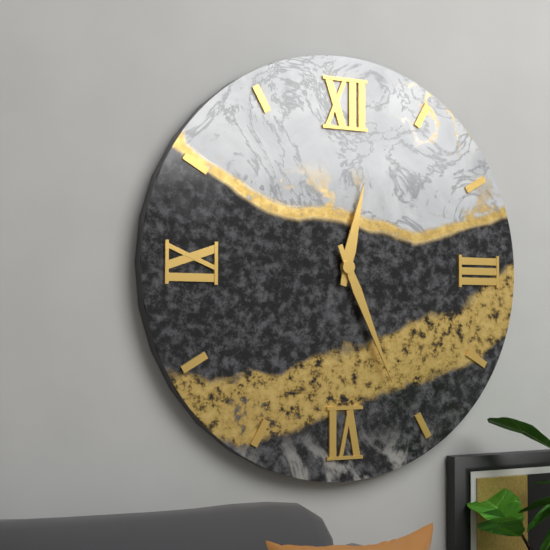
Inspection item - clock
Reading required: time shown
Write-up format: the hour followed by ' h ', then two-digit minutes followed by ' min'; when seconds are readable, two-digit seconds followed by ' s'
12 h 26 min
